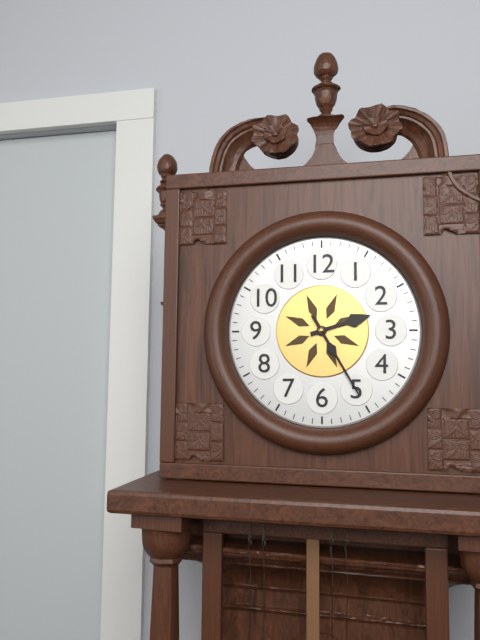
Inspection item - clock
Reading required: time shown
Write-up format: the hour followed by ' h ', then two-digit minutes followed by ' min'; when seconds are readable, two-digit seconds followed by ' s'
2 h 25 min
